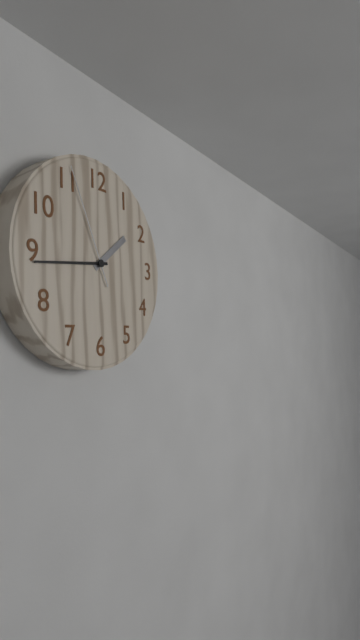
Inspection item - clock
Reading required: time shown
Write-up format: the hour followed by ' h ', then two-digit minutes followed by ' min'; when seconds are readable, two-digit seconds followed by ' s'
1 h 44 min 56 s
